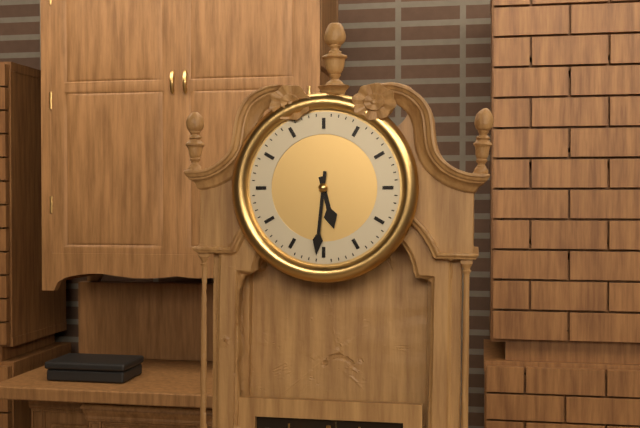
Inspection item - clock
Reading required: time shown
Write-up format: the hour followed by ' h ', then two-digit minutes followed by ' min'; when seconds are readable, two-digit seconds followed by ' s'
5 h 31 min
